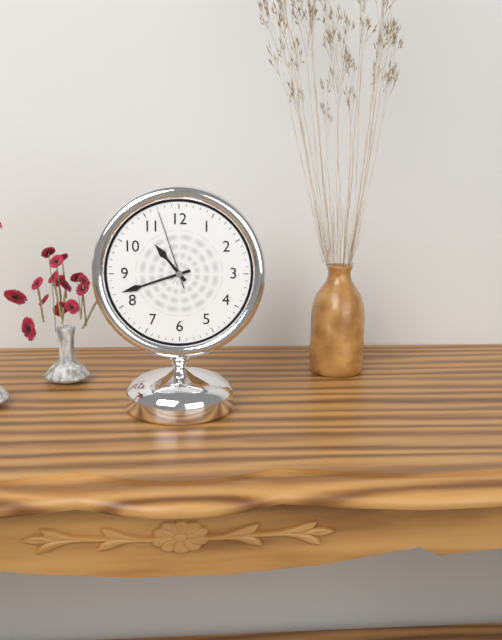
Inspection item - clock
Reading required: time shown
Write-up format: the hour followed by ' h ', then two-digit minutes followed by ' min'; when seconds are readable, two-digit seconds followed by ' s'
10 h 42 min 57 s
